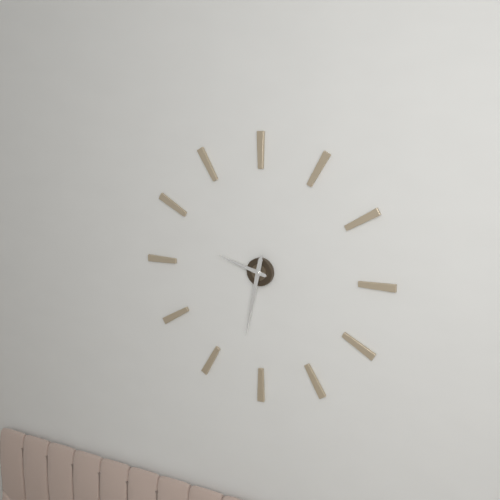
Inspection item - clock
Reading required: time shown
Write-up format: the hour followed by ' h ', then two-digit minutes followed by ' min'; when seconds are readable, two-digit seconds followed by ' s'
9 h 32 min
